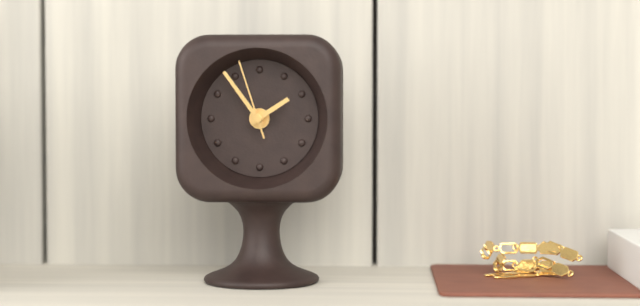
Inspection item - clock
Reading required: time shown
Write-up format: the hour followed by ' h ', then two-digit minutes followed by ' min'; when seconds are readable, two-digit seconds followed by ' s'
1 h 54 min 57 s
